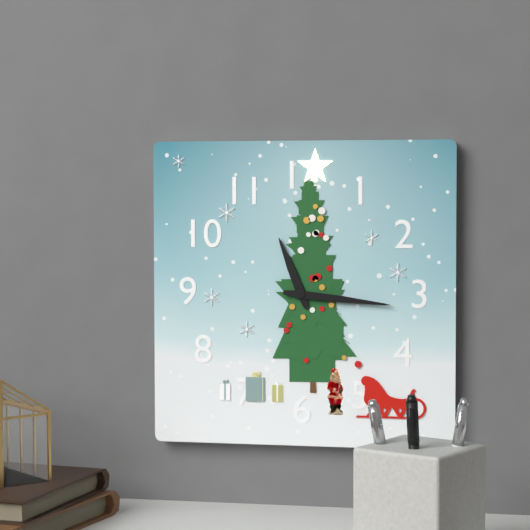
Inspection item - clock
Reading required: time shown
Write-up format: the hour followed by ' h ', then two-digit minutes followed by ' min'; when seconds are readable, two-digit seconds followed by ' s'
11 h 16 min
